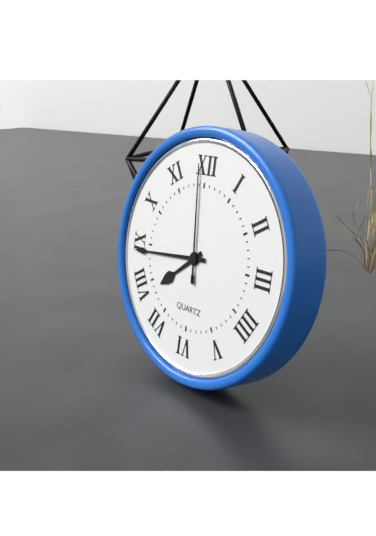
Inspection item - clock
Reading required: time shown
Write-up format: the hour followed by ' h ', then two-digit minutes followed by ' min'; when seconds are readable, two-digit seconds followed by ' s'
7 h 44 min 59 s
